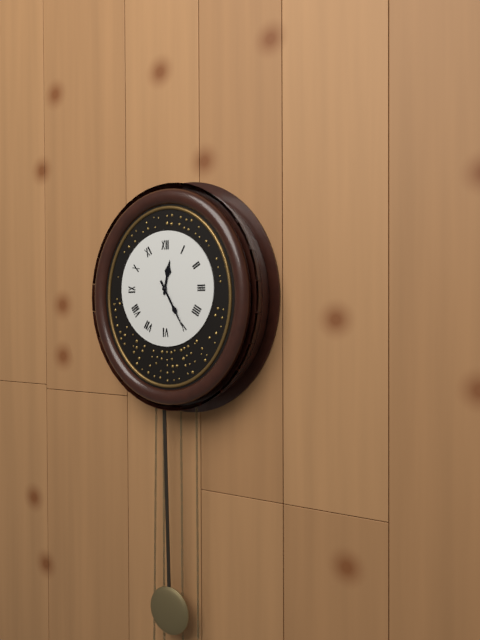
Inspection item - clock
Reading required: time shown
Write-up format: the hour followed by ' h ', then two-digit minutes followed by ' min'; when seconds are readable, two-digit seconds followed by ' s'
12 h 25 min
